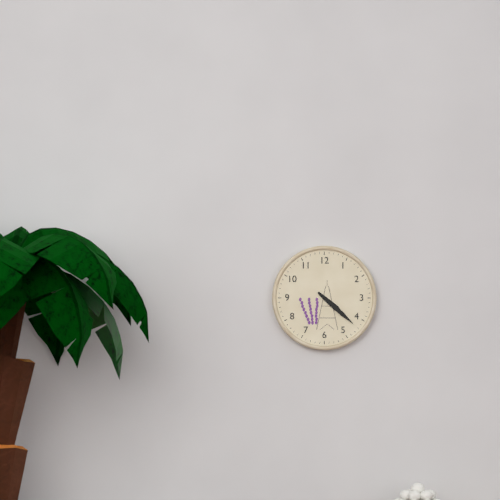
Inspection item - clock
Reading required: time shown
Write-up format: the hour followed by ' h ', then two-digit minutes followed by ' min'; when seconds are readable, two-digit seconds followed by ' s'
4 h 22 min
